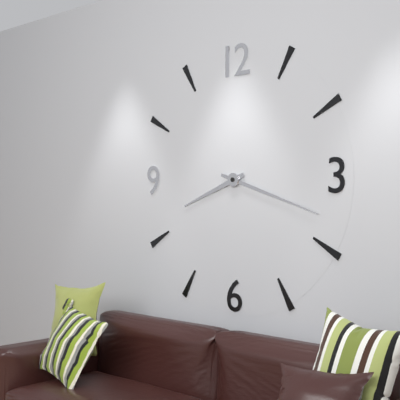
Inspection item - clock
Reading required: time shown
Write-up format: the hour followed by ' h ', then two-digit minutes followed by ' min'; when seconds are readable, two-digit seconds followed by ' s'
8 h 18 min
